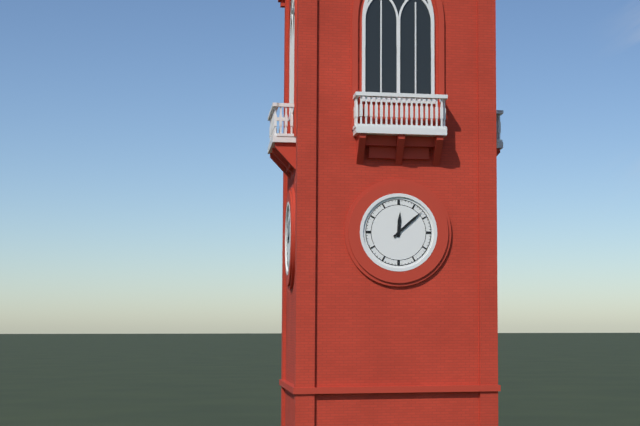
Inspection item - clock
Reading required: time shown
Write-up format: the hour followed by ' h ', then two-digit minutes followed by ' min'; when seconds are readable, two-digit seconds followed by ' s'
12 h 08 min
